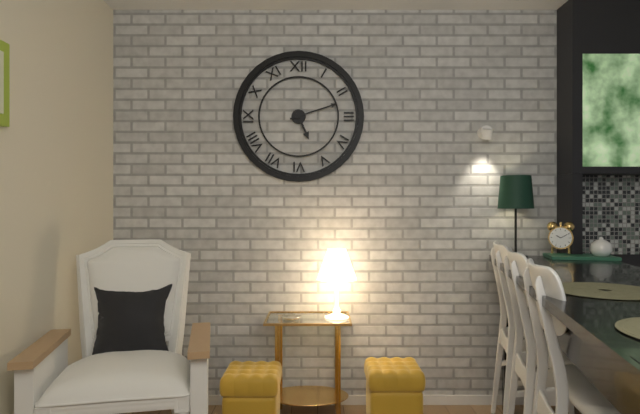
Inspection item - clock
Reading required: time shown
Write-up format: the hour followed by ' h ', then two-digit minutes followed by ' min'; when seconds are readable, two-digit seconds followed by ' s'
5 h 12 min
